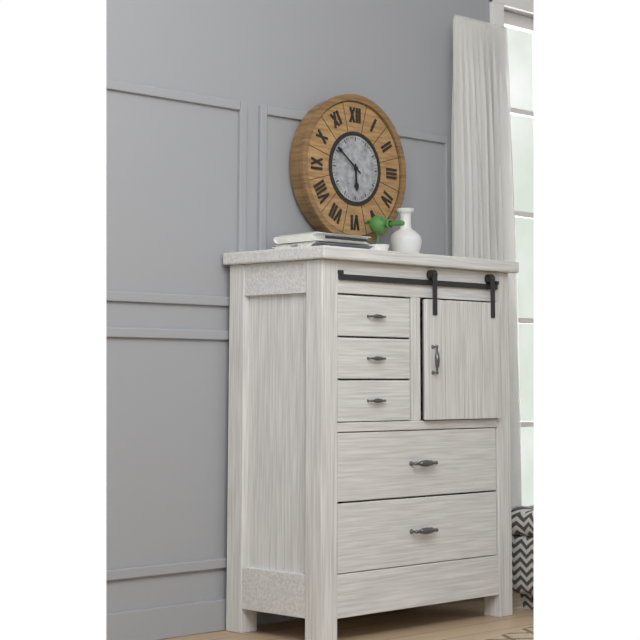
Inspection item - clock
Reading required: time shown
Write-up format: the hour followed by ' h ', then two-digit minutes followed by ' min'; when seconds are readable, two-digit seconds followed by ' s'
5 h 51 min
